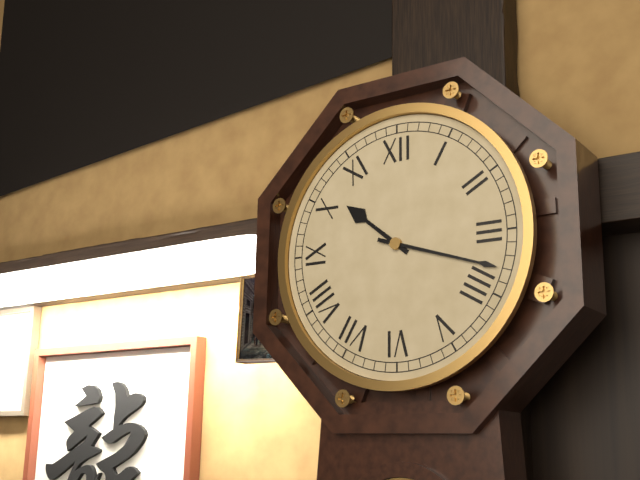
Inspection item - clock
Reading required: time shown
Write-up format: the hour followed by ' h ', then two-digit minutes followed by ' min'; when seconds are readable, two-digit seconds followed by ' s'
10 h 18 min
